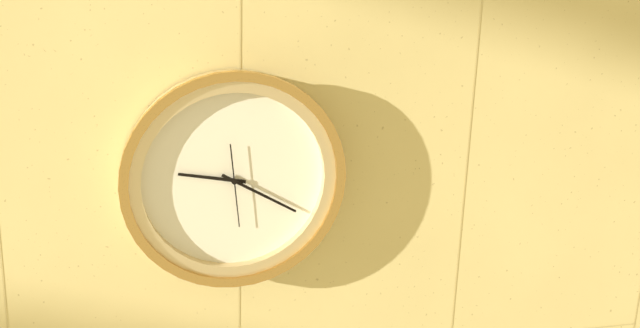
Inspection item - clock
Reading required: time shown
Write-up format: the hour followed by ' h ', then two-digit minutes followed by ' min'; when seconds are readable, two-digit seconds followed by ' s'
9 h 20 min 29 s
